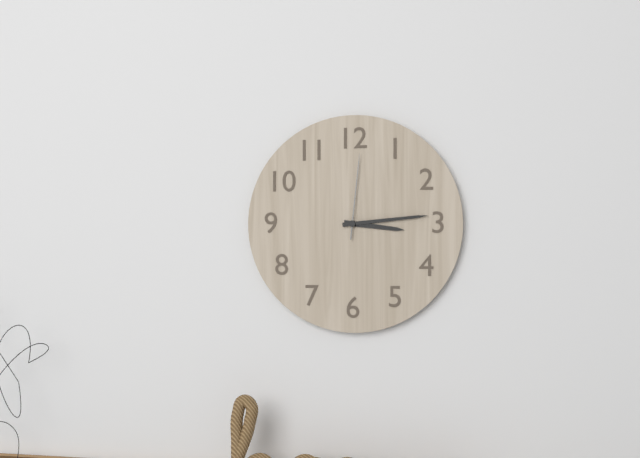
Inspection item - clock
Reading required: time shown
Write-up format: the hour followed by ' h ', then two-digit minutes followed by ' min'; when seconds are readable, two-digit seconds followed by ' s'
3 h 14 min 01 s
